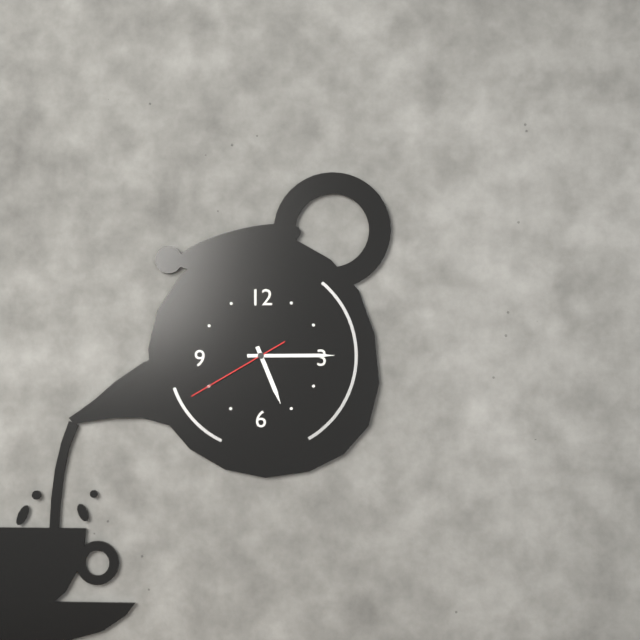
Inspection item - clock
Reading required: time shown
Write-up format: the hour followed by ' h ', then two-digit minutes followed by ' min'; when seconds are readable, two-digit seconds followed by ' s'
5 h 15 min 40 s
